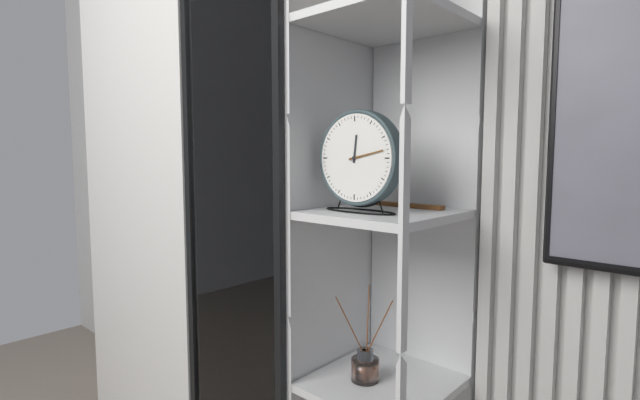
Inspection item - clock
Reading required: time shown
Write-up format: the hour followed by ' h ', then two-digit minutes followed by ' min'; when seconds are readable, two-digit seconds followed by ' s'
12 h 13 min
